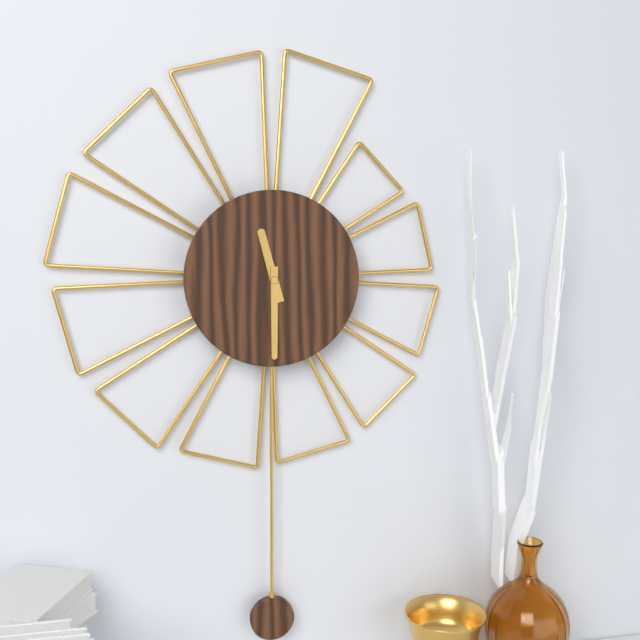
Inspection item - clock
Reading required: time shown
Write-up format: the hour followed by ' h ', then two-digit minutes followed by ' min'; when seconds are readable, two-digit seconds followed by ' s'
11 h 30 min
